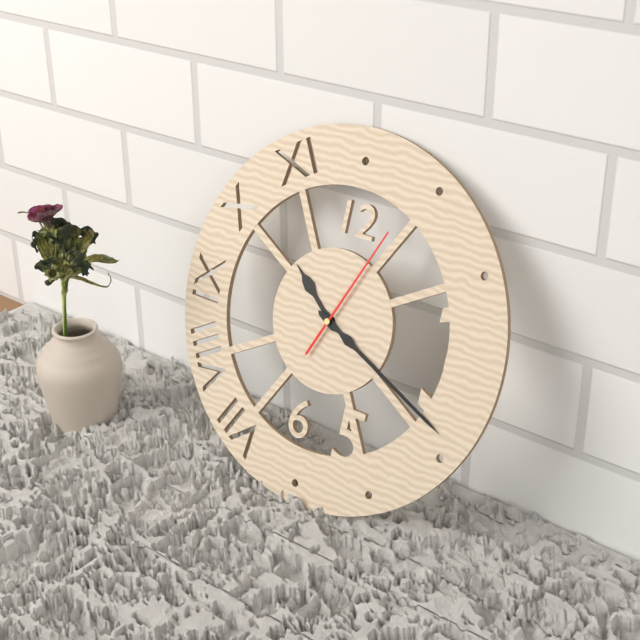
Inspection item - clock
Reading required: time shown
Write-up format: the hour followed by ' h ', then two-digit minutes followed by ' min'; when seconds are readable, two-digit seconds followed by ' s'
10 h 19 min 04 s
